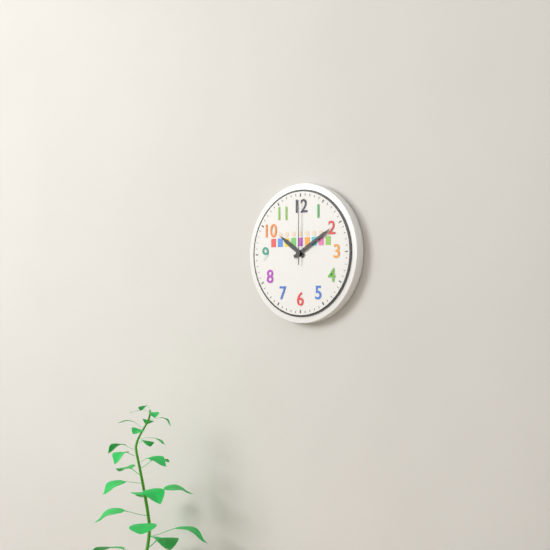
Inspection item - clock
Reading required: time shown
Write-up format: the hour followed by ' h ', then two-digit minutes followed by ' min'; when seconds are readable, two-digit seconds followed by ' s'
10 h 10 min 00 s
